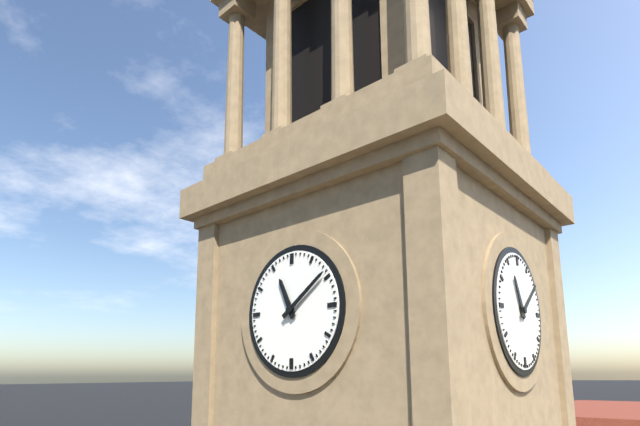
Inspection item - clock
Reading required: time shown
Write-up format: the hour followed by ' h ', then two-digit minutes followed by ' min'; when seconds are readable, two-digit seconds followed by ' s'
11 h 09 min
